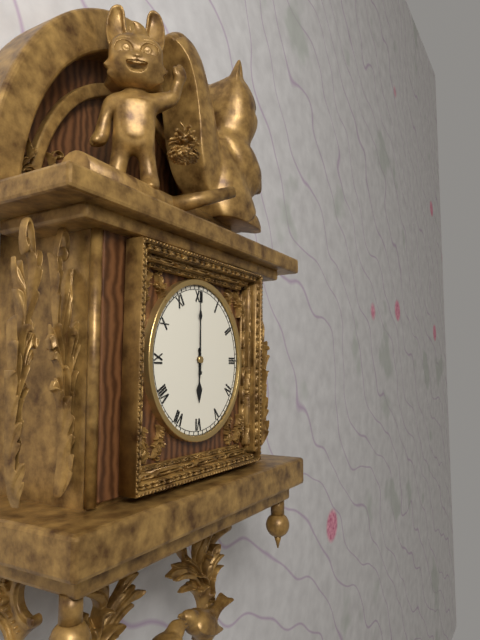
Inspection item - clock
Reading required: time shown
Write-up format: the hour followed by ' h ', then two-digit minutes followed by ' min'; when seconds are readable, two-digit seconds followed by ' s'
6 h 00 min
